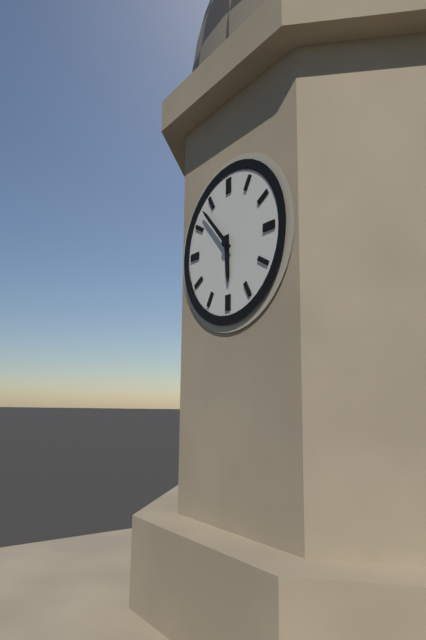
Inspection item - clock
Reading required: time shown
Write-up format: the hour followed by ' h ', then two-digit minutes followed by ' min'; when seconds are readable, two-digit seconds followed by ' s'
5 h 53 min
